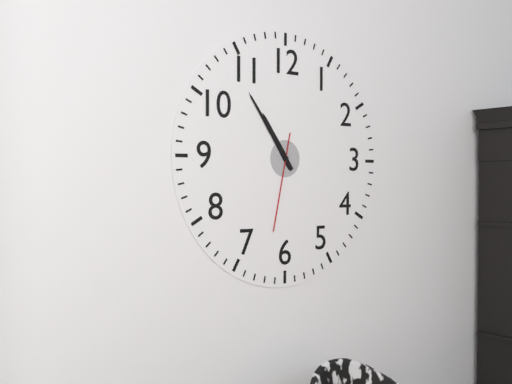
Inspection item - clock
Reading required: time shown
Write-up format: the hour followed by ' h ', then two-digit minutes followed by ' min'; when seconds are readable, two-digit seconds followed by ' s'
10 h 54 min 32 s
